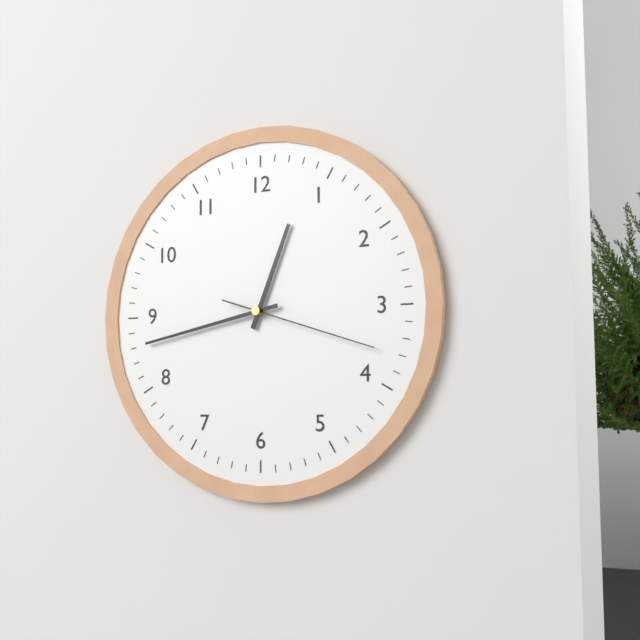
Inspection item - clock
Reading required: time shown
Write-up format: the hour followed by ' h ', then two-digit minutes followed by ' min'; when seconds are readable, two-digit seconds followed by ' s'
12 h 43 min 18 s
